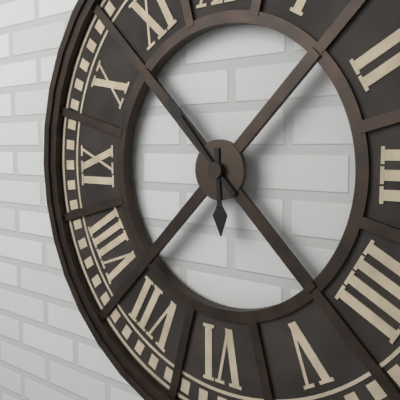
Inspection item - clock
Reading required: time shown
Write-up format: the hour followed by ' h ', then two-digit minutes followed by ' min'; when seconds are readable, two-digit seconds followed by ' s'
5 h 53 min
